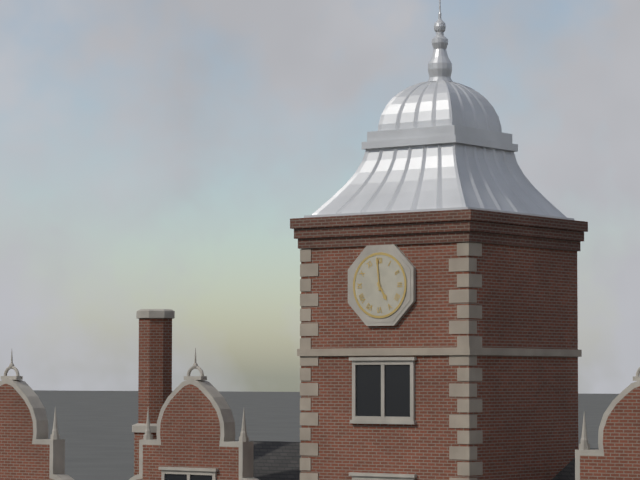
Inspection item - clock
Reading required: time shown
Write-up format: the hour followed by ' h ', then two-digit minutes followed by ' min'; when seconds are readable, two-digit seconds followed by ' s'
4 h 59 min
